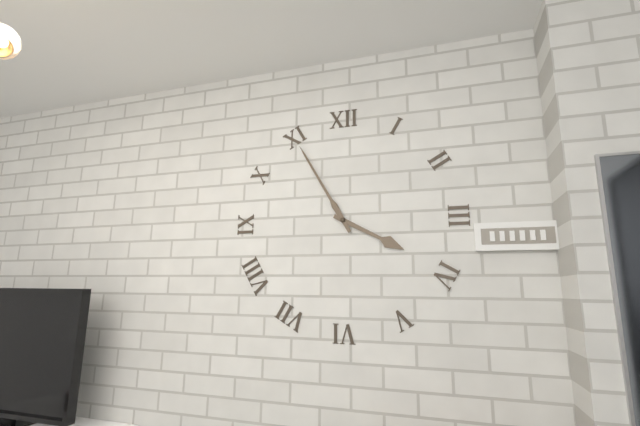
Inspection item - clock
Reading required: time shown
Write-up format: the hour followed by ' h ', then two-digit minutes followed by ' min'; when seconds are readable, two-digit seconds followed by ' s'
3 h 55 min
